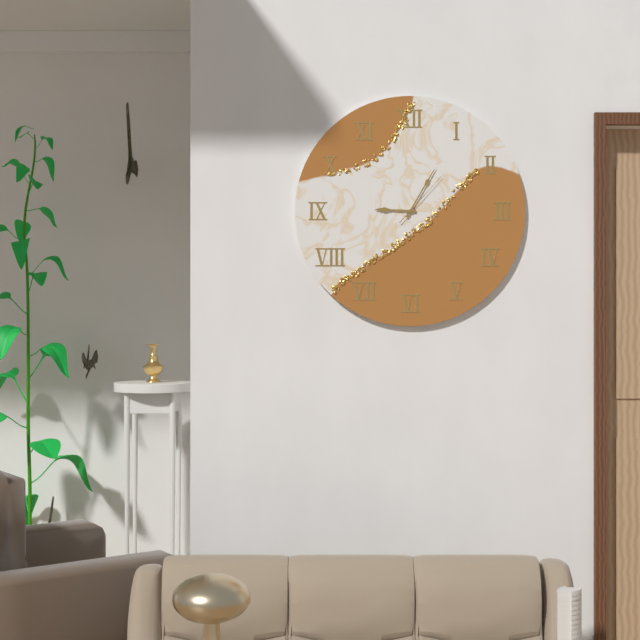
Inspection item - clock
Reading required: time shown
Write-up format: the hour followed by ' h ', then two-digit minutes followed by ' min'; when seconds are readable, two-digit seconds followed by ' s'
9 h 05 min 07 s
